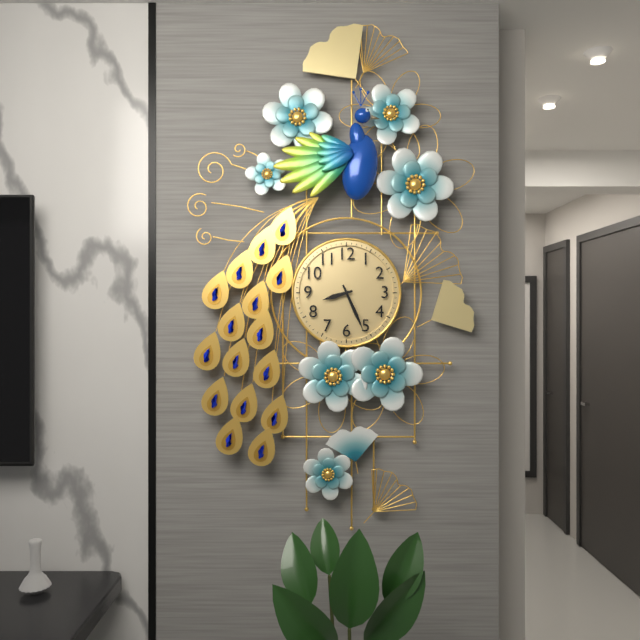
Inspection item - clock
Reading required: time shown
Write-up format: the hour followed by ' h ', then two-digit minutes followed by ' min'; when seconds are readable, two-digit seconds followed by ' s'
8 h 26 min
